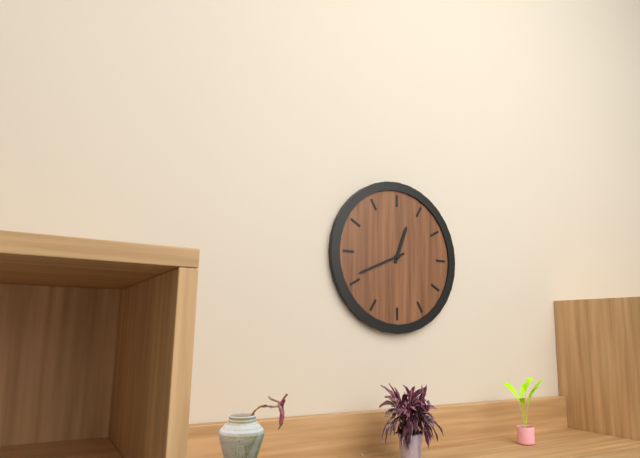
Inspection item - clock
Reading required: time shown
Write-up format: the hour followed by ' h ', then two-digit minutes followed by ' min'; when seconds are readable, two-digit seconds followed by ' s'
12 h 41 min
